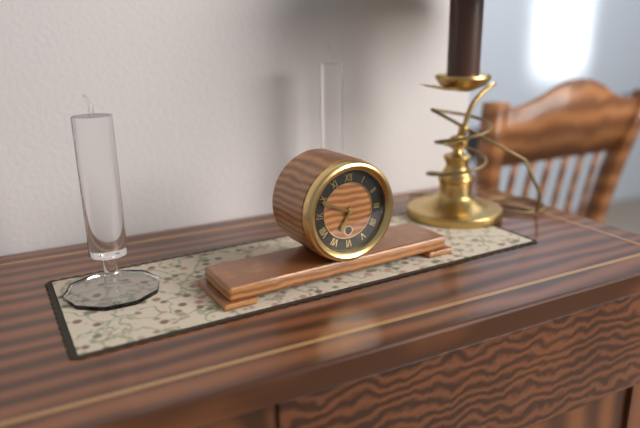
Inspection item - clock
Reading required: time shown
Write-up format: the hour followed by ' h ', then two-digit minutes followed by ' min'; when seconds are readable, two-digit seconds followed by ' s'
6 h 49 min
